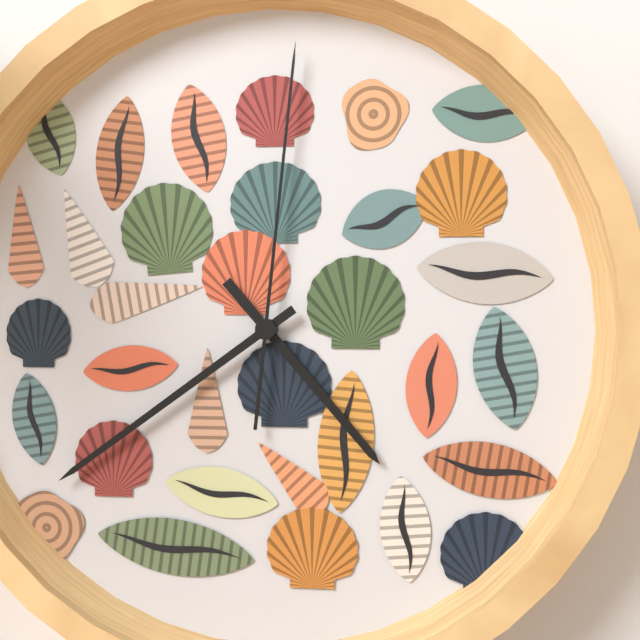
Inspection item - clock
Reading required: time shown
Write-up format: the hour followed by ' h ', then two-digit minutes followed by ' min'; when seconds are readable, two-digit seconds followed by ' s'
4 h 39 min 01 s
